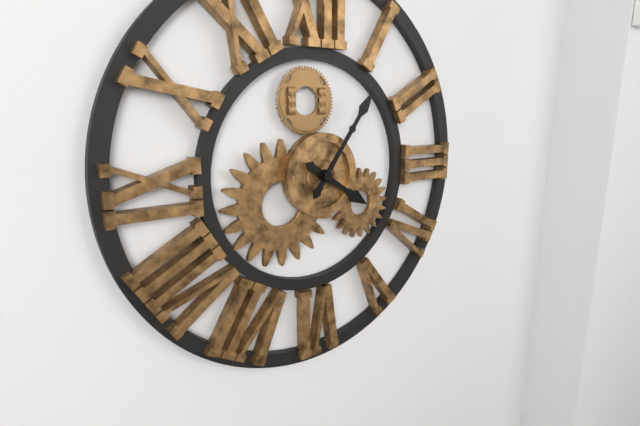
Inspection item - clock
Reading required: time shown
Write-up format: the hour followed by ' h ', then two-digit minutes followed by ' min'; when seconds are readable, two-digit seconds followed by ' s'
4 h 06 min
